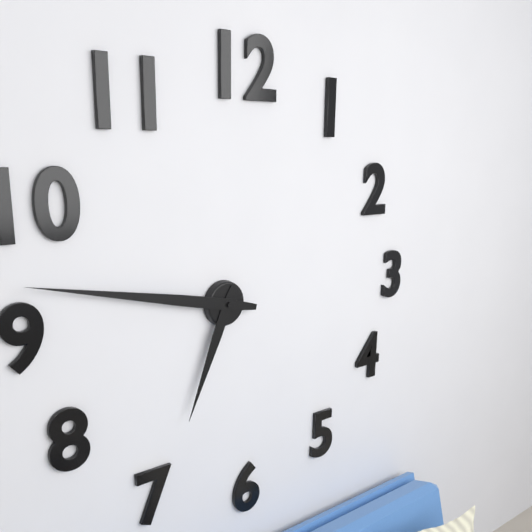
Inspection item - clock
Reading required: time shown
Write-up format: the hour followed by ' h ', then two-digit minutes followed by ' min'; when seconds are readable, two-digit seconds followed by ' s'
6 h 47 min
